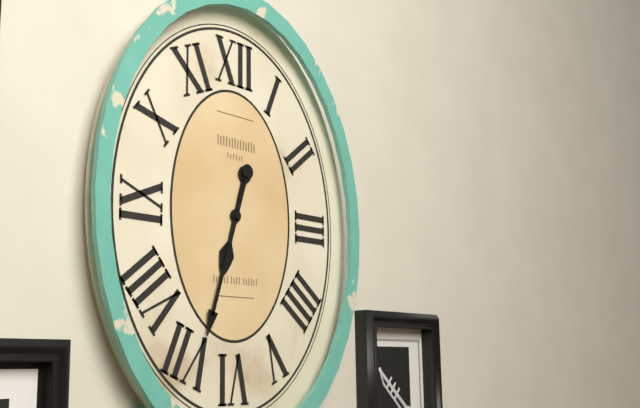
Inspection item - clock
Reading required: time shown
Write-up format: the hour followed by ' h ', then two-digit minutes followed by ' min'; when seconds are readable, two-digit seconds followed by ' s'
6 h 33 min
